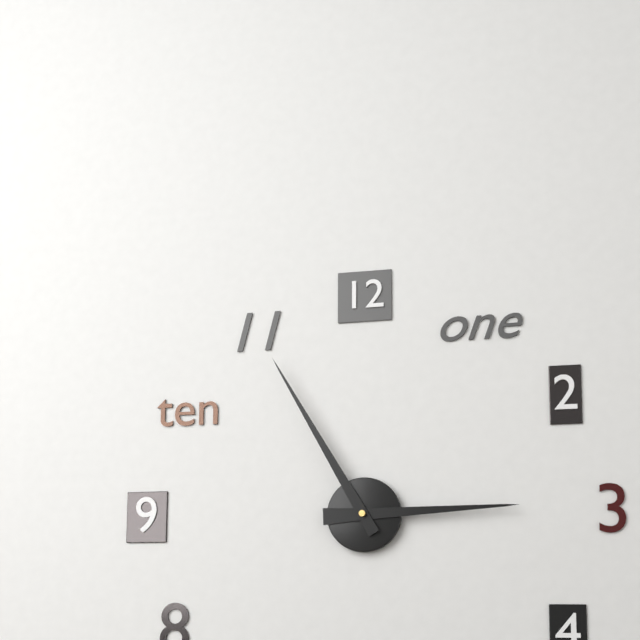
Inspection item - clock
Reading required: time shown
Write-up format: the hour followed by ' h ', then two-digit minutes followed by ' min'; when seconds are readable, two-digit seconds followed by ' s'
2 h 55 min
